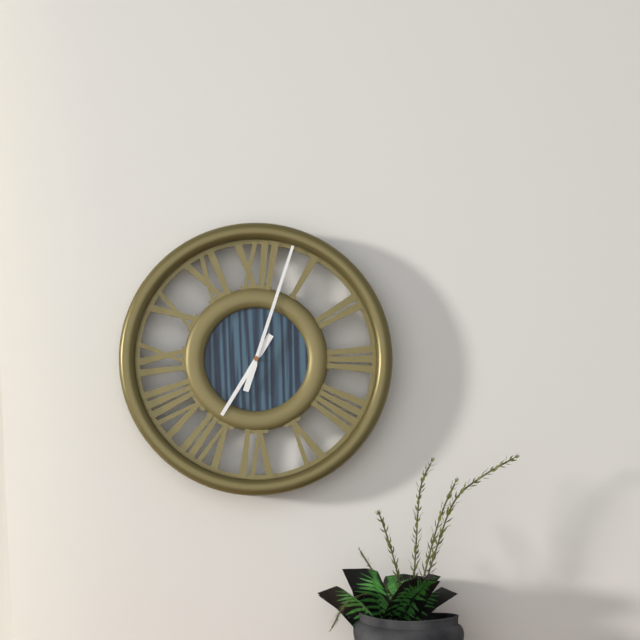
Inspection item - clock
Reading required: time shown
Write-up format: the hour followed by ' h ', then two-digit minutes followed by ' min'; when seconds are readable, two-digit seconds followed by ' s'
7 h 03 min
